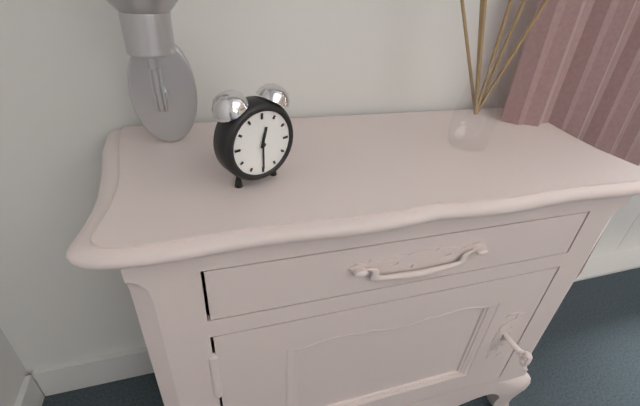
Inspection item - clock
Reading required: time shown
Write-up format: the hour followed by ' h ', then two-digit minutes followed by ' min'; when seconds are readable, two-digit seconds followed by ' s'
12 h 30 min
